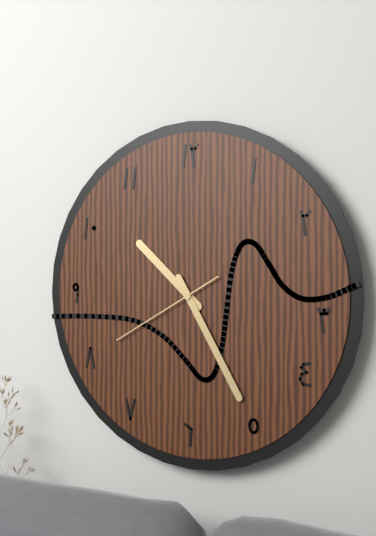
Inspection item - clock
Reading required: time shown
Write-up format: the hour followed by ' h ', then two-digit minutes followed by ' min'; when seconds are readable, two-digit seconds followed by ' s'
10 h 25 min 40 s
